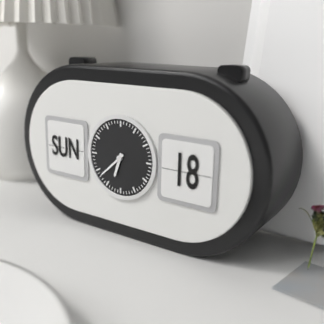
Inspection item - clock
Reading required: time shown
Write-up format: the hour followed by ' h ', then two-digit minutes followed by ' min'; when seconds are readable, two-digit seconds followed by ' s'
6 h 38 min
